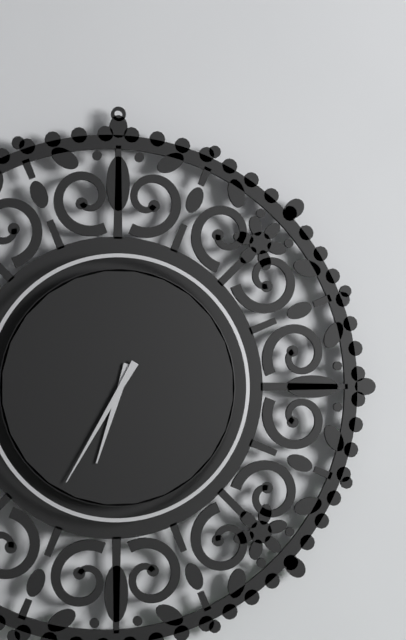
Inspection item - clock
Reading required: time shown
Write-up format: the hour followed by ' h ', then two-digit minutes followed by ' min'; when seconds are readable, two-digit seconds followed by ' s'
6 h 35 min
